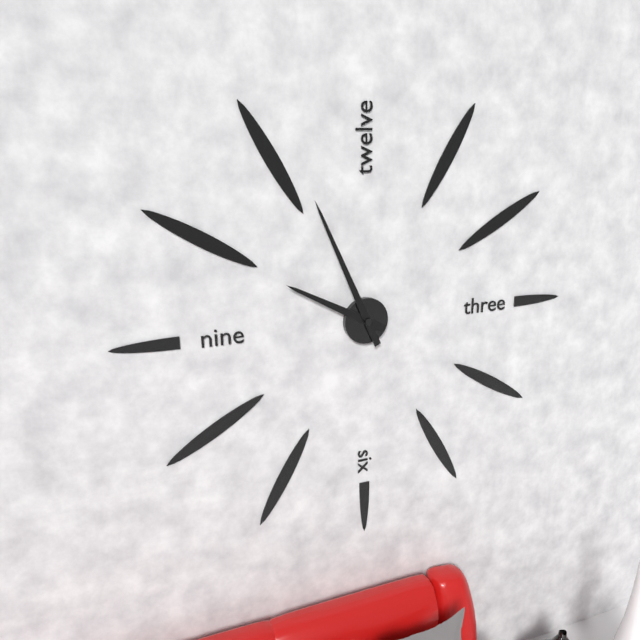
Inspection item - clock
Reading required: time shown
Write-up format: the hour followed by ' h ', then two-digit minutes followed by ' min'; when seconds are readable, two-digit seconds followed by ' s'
9 h 56 min
